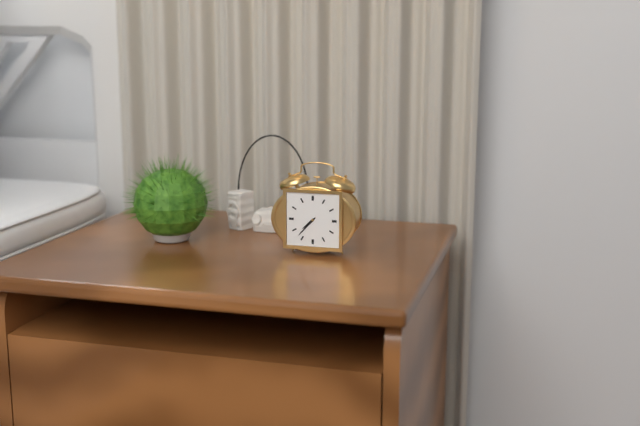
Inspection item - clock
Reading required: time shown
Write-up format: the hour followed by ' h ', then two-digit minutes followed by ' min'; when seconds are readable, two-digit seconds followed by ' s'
7 h 37 min
